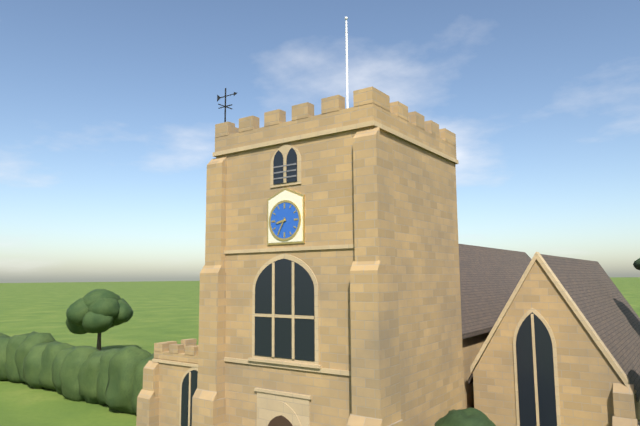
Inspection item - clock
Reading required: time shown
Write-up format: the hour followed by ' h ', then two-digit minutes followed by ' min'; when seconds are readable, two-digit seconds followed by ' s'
8 h 35 min
